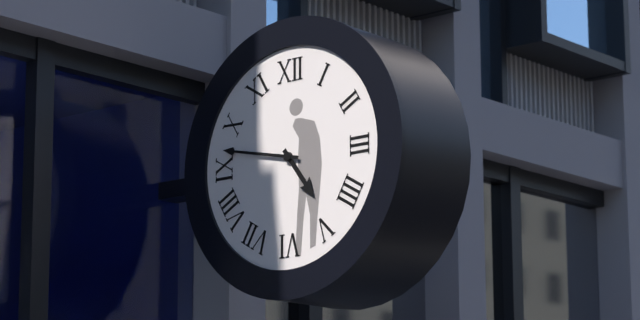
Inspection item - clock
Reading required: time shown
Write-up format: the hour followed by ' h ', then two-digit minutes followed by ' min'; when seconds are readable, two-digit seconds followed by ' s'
4 h 47 min
